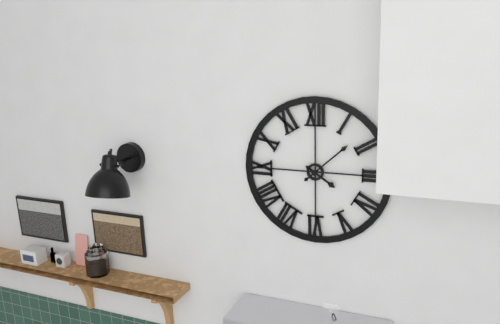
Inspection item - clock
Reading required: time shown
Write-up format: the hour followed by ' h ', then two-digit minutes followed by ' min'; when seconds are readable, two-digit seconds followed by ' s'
4 h 08 min
